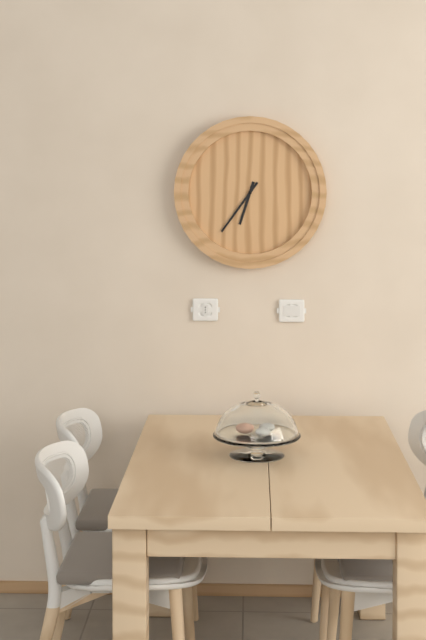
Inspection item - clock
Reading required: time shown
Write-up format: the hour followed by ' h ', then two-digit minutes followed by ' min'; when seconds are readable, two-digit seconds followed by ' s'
6 h 36 min
